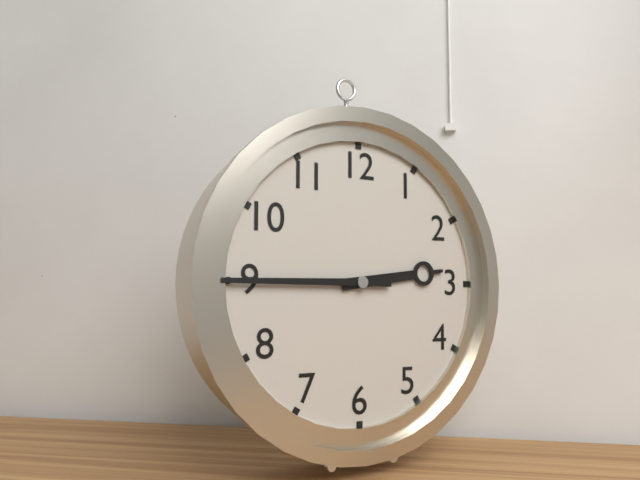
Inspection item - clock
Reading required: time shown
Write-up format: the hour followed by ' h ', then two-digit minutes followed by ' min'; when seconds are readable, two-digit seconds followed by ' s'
2 h 45 min
